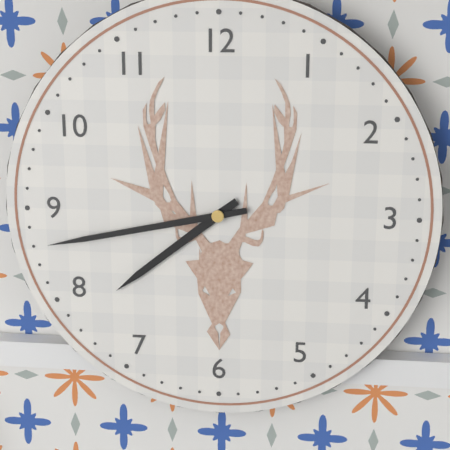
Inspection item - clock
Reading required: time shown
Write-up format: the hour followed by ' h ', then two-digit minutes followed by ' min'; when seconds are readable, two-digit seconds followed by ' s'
7 h 43 min
